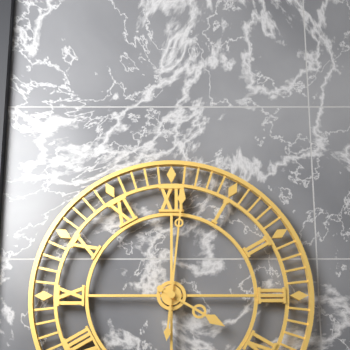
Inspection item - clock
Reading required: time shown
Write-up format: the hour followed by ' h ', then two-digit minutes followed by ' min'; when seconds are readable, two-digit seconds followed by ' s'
4 h 01 min
